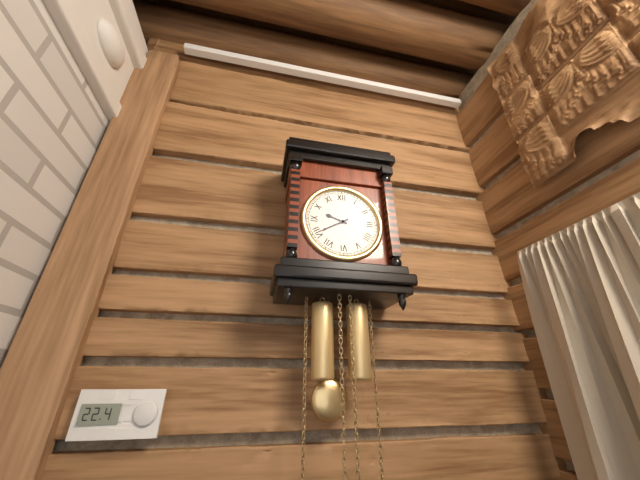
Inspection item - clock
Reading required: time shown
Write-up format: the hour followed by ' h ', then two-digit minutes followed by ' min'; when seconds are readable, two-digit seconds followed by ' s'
9 h 40 min
